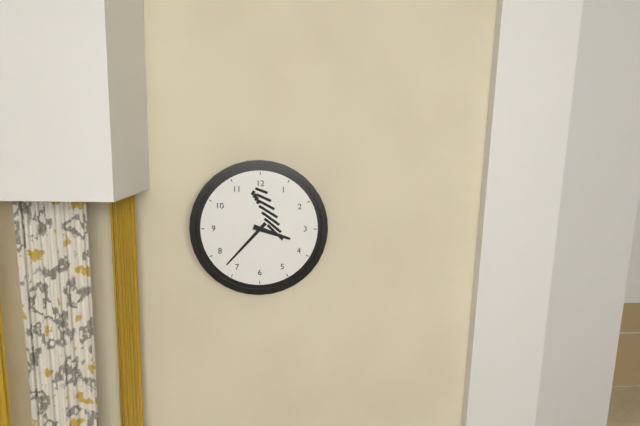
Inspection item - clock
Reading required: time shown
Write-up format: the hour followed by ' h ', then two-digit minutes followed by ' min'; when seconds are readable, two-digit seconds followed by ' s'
3 h 37 min
